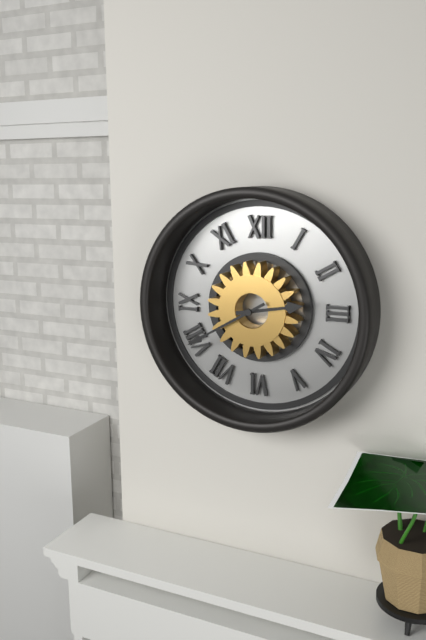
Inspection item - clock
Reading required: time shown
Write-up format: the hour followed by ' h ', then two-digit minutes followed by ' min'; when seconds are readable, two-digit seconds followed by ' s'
2 h 40 min
